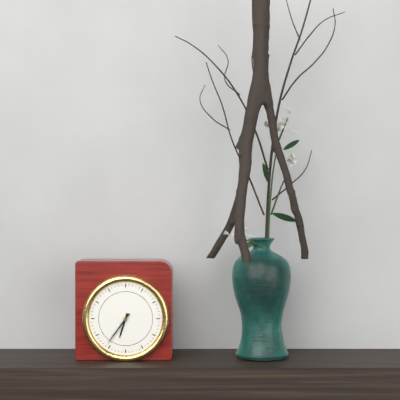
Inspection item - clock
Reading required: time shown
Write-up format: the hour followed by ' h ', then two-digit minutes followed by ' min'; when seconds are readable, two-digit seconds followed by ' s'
6 h 36 min
